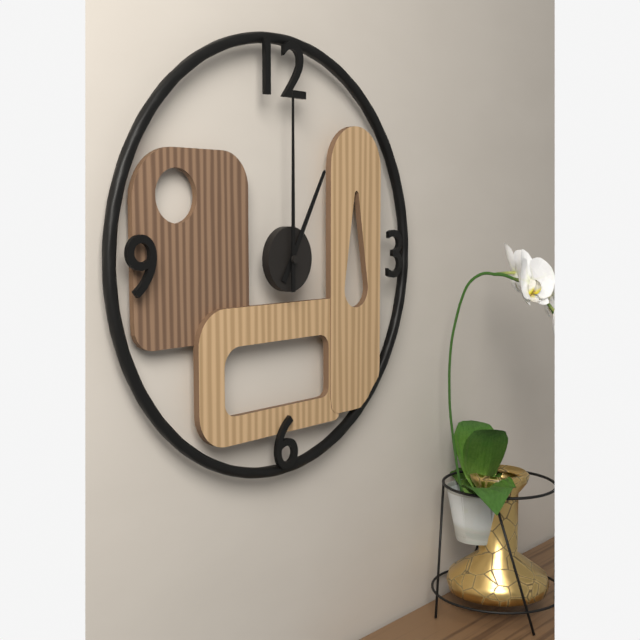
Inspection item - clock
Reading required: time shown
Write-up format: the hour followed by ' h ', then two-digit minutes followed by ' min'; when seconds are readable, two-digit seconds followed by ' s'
1 h 00 min
